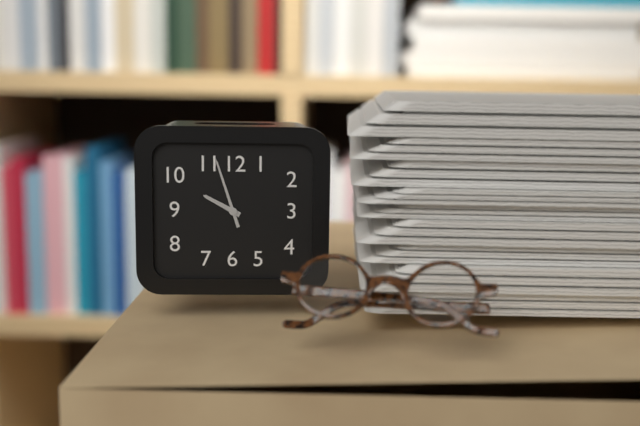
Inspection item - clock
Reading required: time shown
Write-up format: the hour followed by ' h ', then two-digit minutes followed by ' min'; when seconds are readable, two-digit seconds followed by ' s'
9 h 57 min
